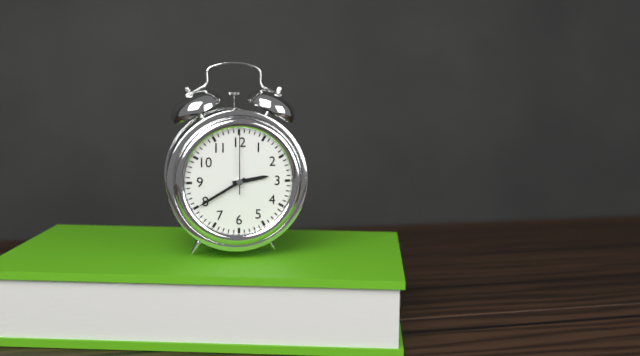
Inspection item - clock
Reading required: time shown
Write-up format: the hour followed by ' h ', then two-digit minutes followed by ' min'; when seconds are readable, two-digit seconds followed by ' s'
2 h 40 min 00 s
